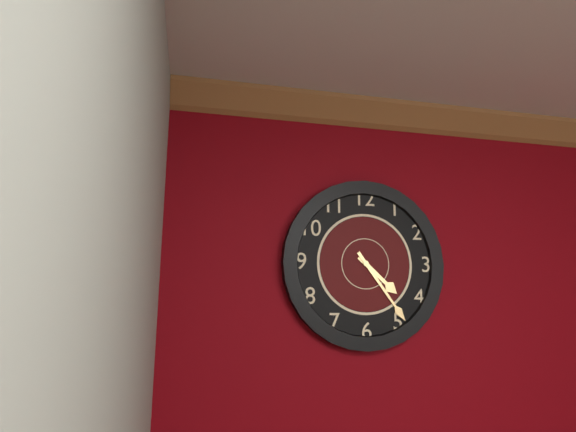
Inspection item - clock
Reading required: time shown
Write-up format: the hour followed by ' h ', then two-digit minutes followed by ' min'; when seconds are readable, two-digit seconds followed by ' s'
4 h 24 min
